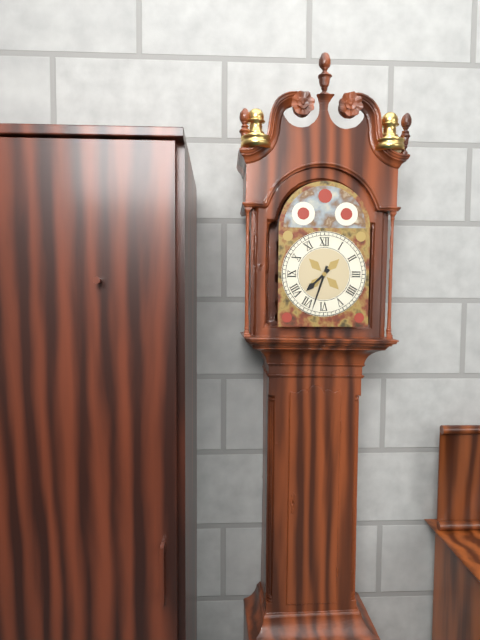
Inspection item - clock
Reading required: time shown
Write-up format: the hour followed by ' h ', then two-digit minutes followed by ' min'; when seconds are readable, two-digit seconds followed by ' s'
7 h 33 min
